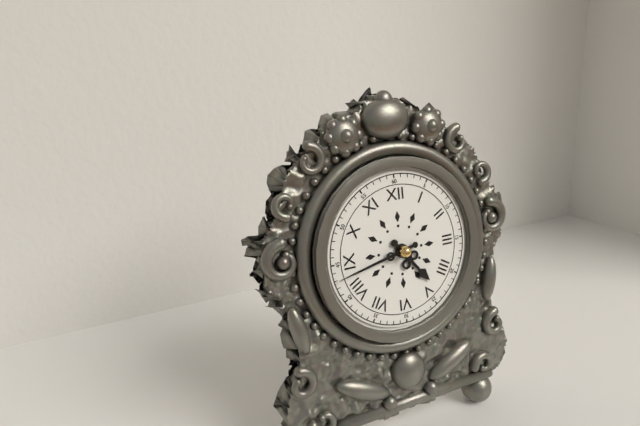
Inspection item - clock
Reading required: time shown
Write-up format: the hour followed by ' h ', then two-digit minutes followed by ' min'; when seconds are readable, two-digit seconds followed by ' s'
4 h 43 min
